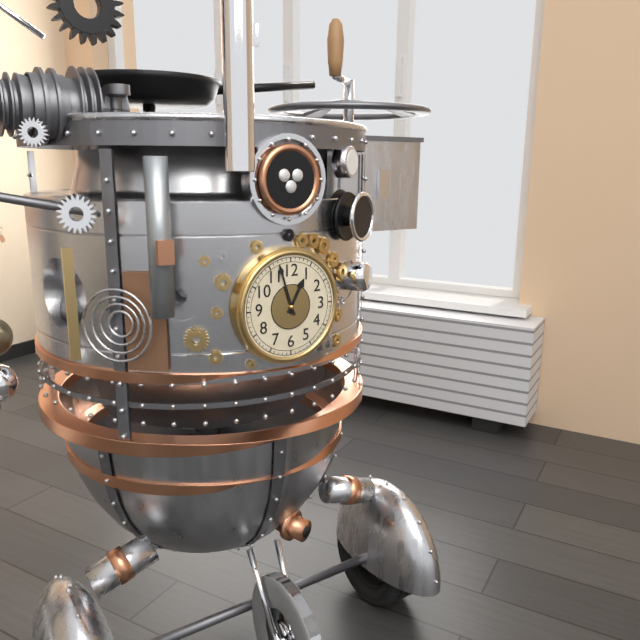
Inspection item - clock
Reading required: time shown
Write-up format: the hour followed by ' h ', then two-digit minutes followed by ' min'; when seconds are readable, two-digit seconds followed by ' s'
12 h 57 min
